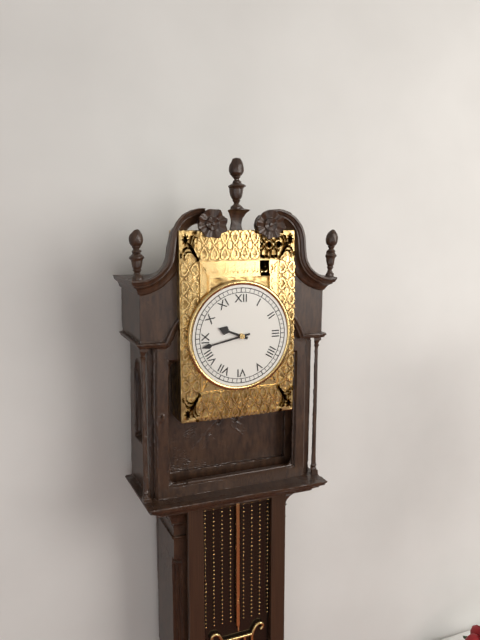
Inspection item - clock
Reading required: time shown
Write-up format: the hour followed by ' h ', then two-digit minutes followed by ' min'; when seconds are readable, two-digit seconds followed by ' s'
9 h 43 min
